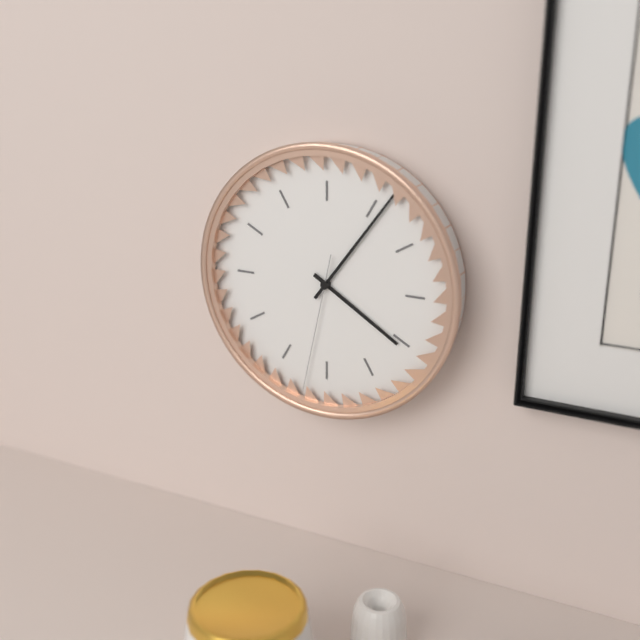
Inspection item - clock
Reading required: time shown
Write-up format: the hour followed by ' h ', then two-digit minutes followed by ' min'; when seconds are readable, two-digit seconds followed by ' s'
4 h 06 min 32 s
